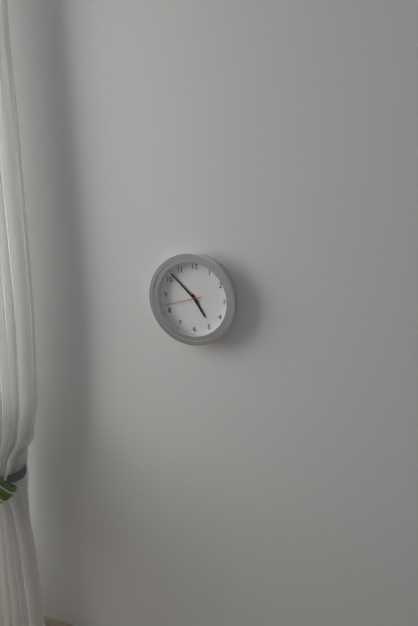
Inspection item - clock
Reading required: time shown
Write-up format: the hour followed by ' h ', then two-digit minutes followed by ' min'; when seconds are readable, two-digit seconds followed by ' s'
4 h 52 min
